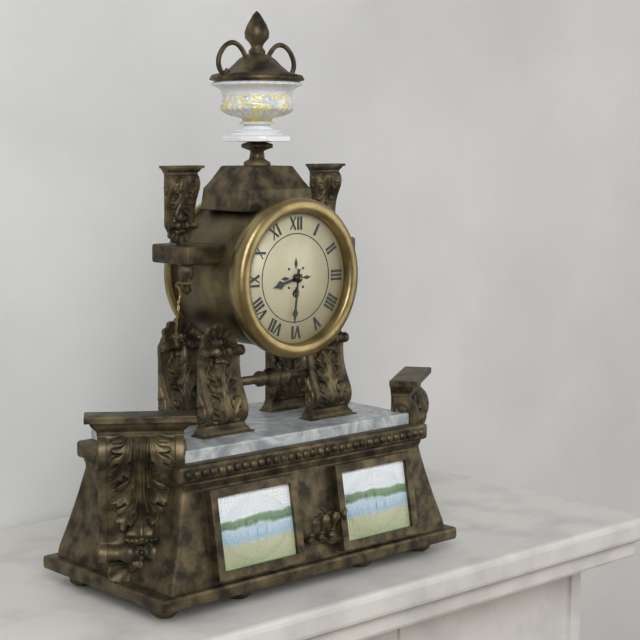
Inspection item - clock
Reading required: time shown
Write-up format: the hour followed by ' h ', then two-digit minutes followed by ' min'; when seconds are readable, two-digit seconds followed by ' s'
8 h 31 min
